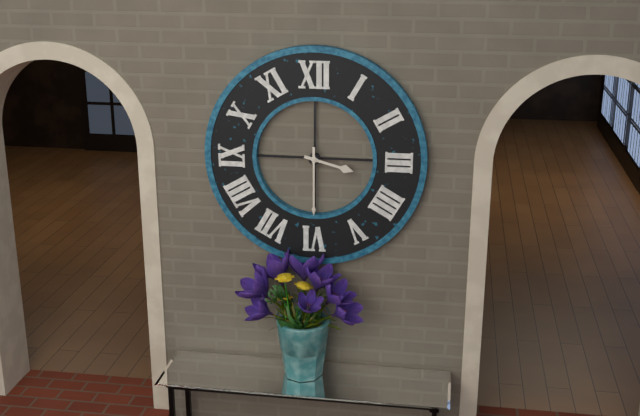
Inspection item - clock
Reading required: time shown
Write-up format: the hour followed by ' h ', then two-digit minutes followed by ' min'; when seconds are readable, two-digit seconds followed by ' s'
3 h 30 min
